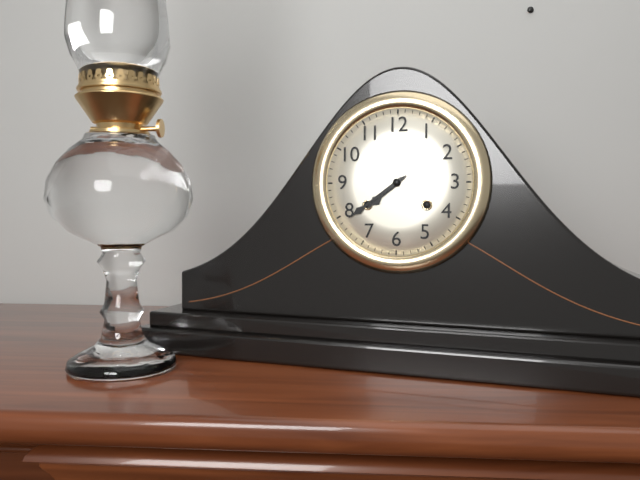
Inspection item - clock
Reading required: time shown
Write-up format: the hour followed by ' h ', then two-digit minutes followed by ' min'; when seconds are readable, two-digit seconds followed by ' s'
7 h 39 min
